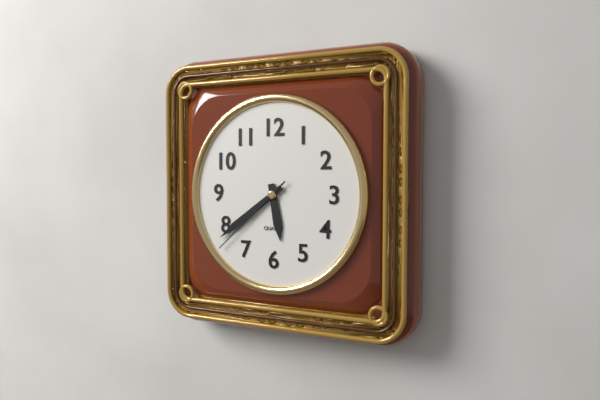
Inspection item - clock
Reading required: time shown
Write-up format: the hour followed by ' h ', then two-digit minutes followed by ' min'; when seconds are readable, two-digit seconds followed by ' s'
5 h 39 min 38 s
